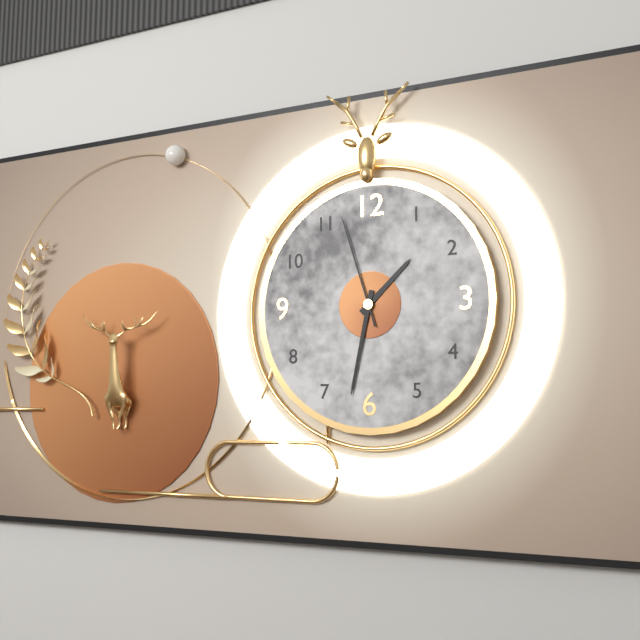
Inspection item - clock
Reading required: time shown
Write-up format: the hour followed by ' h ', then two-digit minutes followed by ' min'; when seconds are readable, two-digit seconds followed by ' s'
1 h 32 min 57 s
